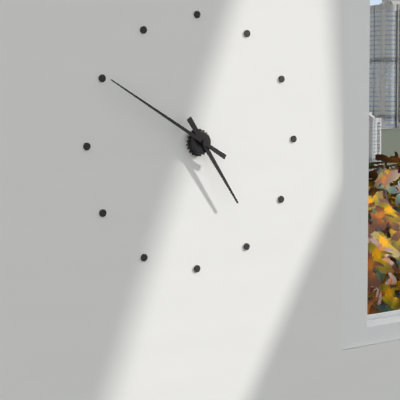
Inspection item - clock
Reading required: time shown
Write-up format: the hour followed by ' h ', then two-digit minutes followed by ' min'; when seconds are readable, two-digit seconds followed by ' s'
4 h 50 min
